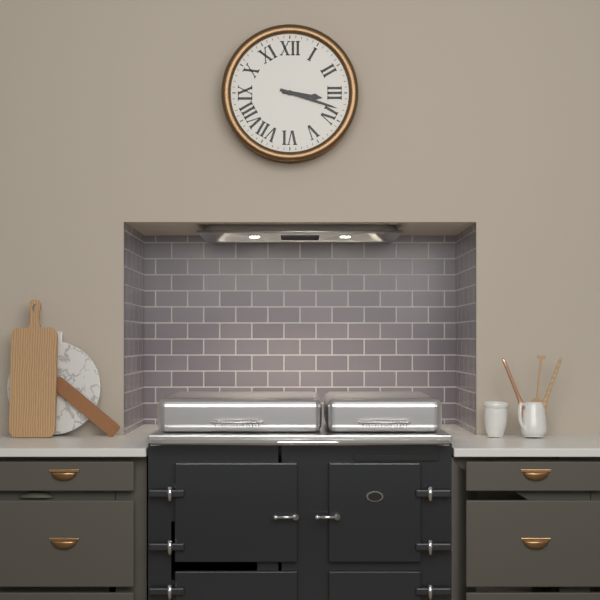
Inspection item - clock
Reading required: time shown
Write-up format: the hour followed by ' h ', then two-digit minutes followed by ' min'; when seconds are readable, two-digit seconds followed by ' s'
3 h 18 min
